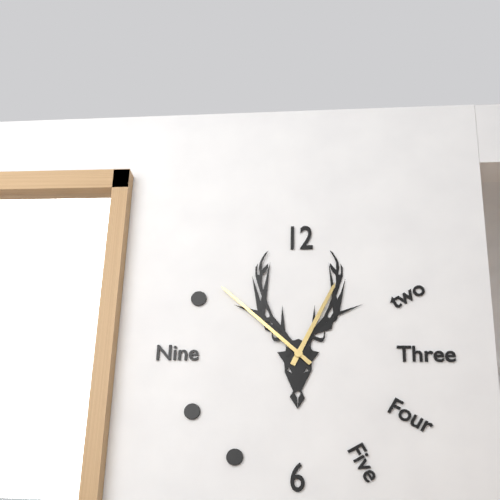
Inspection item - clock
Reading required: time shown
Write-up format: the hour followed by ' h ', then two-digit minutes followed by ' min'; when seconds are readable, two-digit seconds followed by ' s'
12 h 52 min
